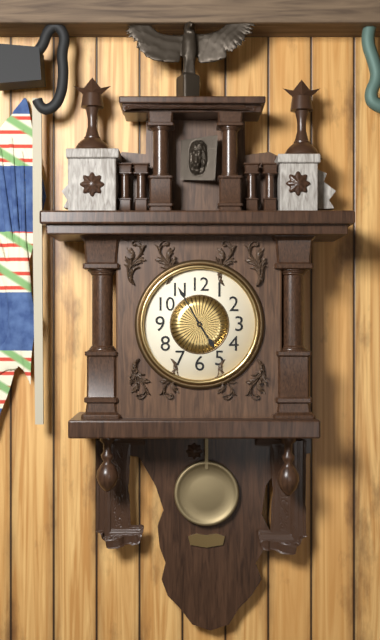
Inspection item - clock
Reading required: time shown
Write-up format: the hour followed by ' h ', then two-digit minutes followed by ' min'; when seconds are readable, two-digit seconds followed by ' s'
4 h 55 min
